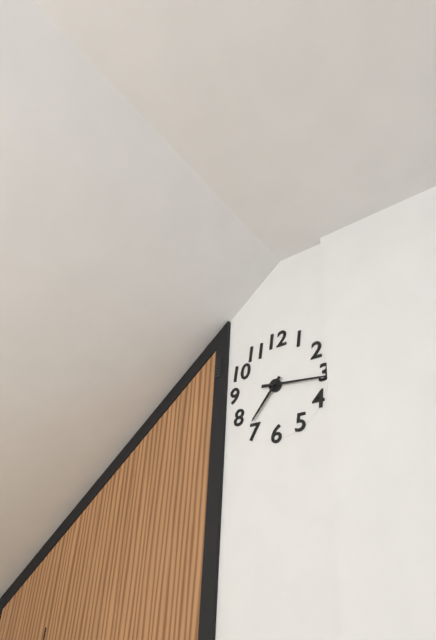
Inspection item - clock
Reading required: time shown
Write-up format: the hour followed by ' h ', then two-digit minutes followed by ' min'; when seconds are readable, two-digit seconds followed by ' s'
7 h 16 min
